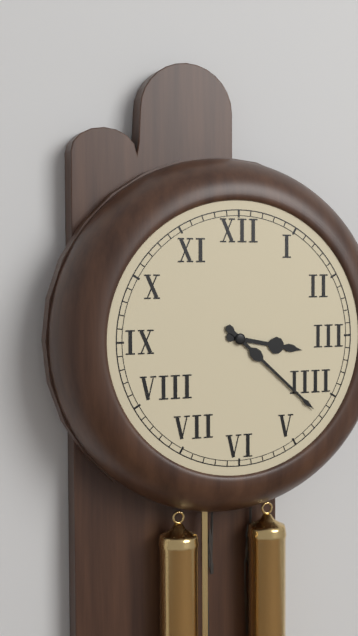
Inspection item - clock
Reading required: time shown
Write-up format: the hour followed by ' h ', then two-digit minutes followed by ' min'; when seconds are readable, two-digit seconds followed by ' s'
3 h 22 min
